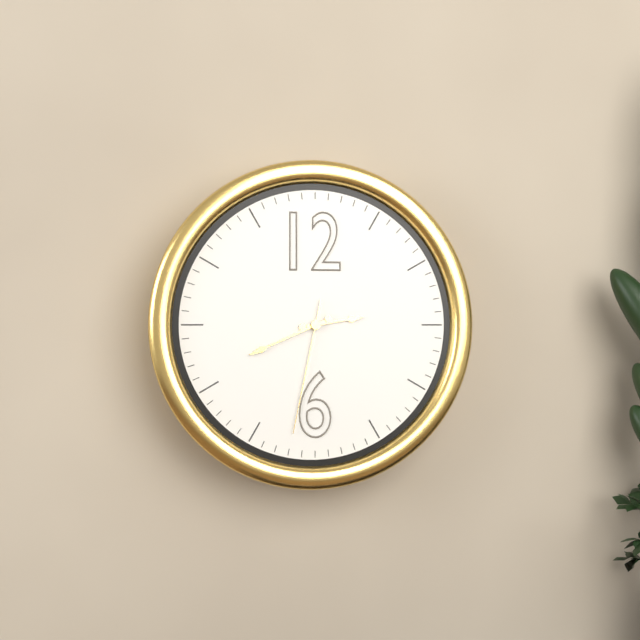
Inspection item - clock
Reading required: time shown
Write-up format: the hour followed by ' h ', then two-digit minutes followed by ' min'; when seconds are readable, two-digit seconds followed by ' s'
2 h 41 min 32 s
